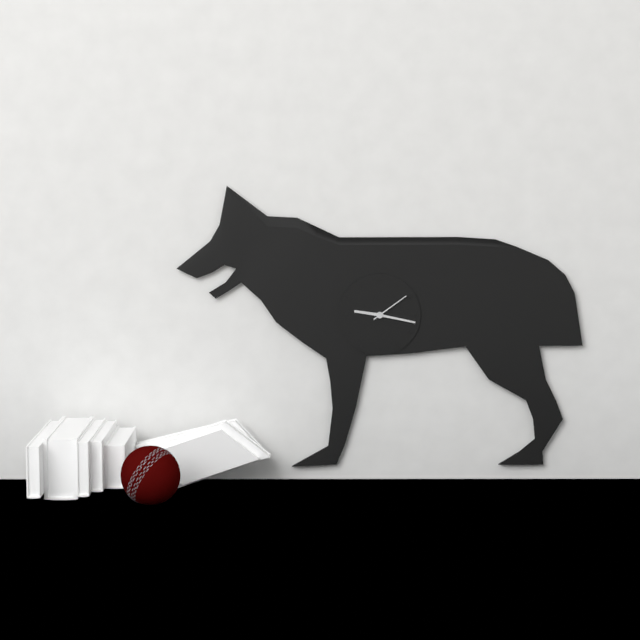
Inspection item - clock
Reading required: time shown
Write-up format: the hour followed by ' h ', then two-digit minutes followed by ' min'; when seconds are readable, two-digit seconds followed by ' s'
9 h 17 min
